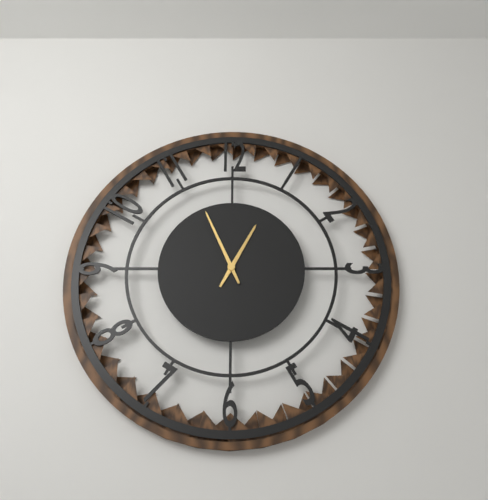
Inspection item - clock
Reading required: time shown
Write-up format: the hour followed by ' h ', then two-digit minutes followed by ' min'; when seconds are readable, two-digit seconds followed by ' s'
12 h 56 min
